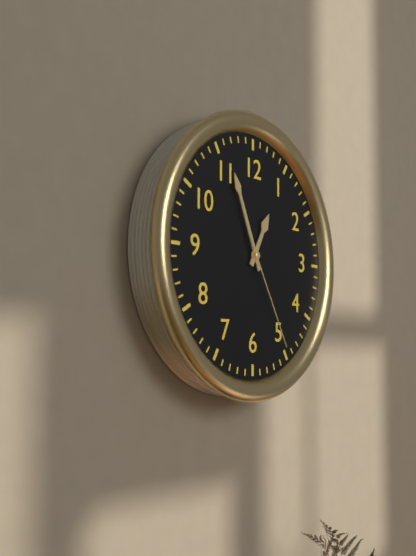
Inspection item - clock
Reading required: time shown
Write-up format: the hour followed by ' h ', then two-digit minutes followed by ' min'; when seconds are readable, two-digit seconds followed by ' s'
12 h 56 min 25 s
